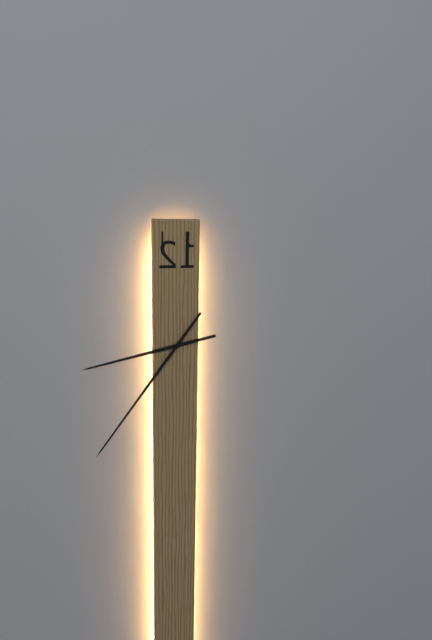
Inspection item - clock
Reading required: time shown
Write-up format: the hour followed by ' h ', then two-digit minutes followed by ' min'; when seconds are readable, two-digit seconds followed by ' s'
8 h 36 min
